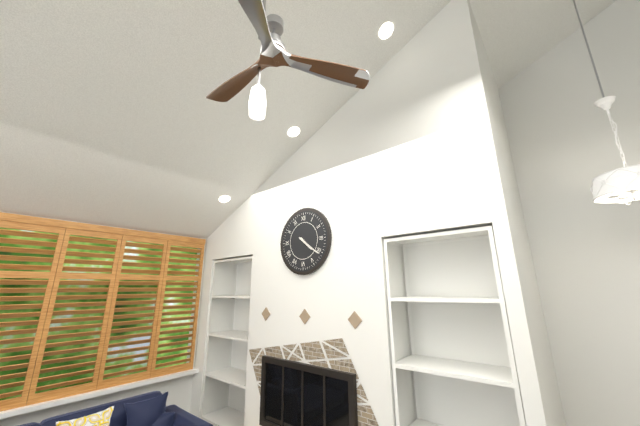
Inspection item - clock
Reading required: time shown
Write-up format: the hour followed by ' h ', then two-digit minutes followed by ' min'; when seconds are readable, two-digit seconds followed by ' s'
4 h 21 min
